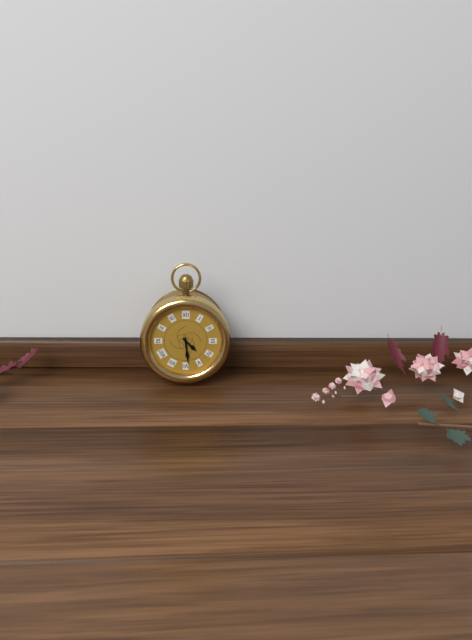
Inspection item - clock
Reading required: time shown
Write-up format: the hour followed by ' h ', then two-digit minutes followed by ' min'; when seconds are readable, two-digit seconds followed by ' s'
4 h 29 min
